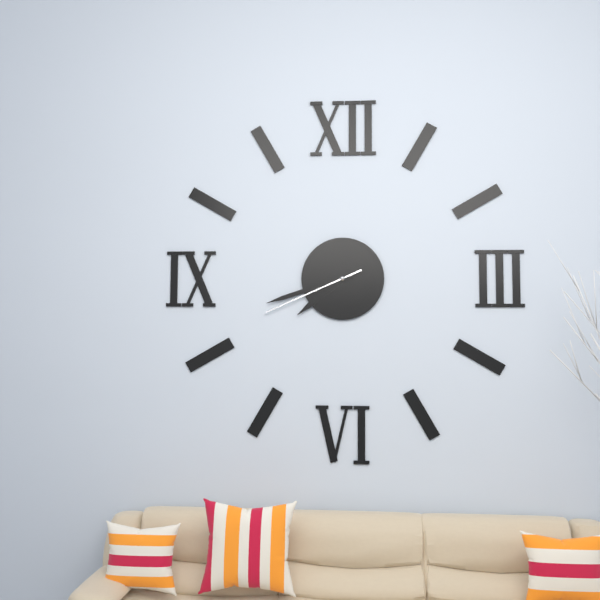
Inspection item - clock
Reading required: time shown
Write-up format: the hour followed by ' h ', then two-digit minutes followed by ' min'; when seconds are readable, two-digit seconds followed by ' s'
7 h 42 min 41 s
